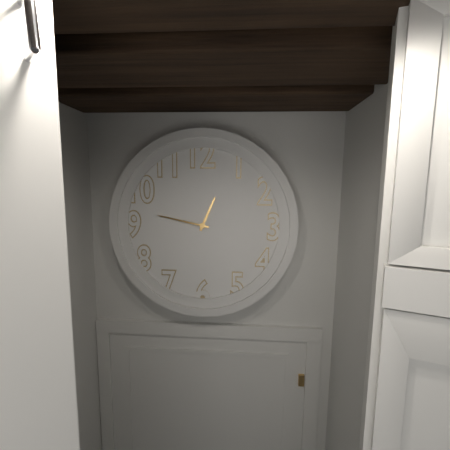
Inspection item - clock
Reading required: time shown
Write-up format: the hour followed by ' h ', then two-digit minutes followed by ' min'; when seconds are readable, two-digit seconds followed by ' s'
12 h 47 min
